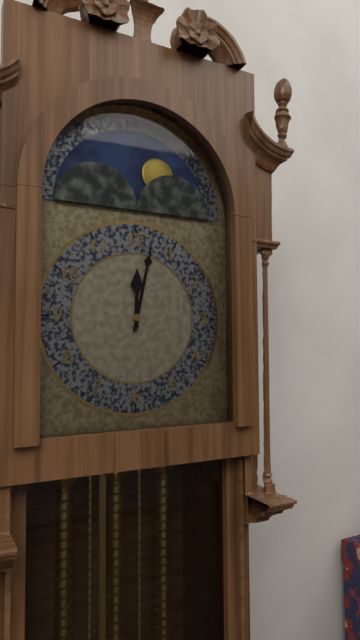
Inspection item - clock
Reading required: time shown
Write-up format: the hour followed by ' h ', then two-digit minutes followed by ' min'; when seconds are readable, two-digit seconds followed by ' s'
12 h 02 min
